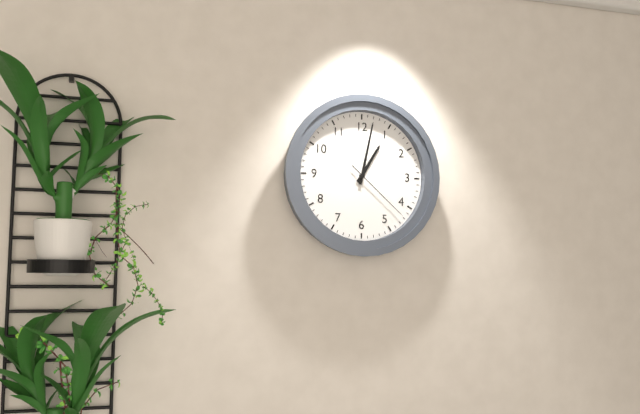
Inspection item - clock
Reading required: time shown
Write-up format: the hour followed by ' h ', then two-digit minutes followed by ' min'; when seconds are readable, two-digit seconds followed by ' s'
1 h 02 min 22 s
